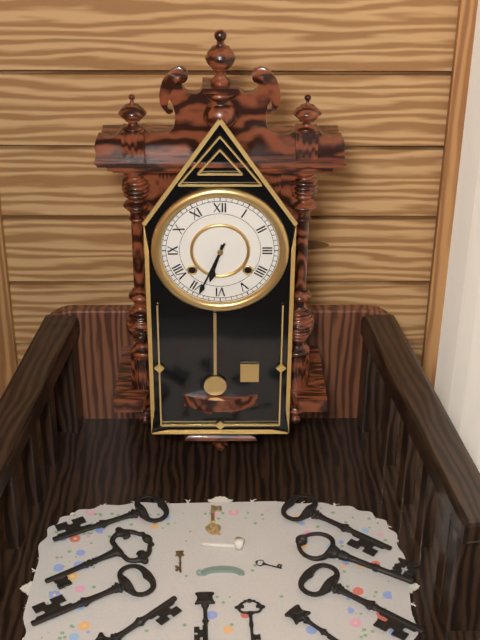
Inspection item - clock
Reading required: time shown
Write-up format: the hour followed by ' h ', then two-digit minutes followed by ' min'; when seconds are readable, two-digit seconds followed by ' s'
6 h 34 min
